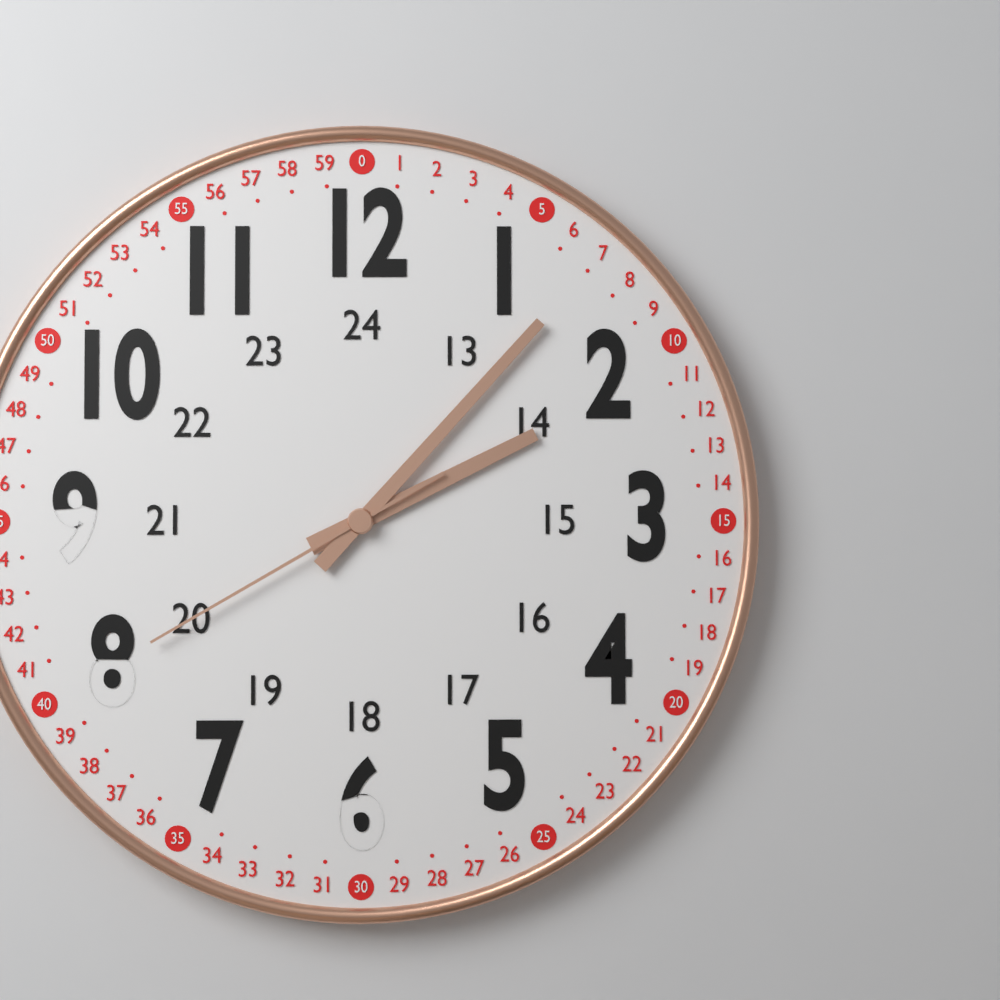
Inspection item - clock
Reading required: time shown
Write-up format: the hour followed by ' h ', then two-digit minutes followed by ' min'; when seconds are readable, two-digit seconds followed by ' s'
2 h 07 min 40 s
